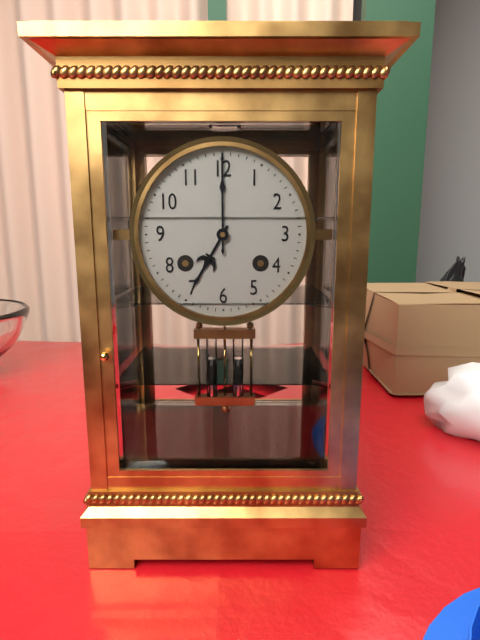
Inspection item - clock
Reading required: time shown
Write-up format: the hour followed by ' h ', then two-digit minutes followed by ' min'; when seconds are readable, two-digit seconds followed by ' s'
7 h 00 min
